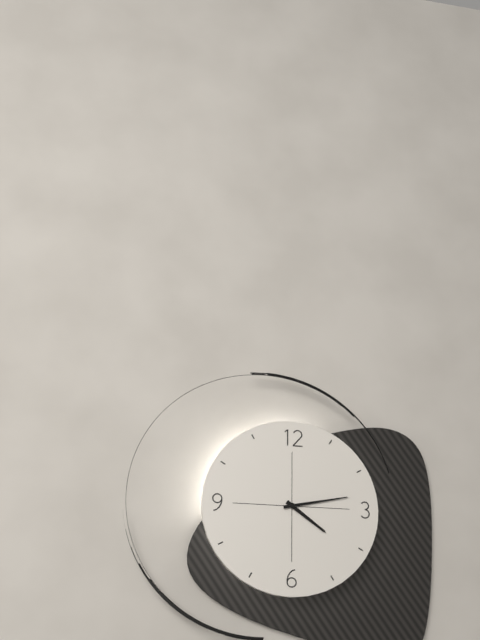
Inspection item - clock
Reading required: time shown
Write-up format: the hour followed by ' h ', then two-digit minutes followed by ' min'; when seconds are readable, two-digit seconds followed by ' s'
4 h 13 min
